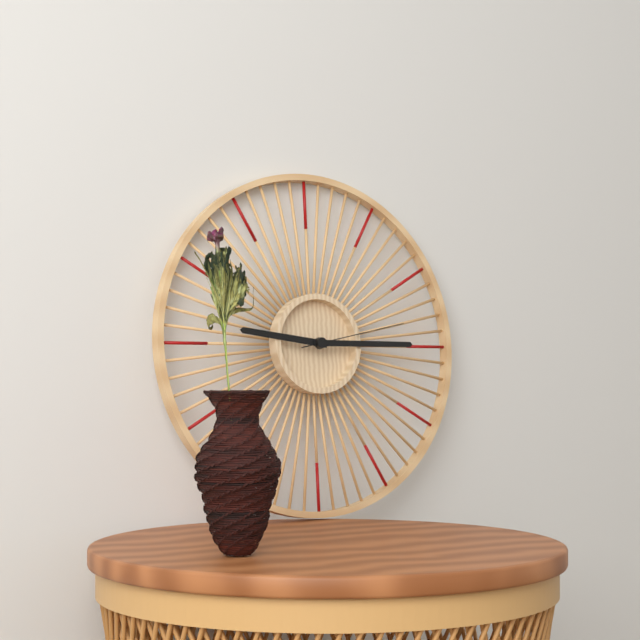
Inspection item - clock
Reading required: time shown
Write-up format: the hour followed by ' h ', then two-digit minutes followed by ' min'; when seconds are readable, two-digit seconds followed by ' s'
9 h 15 min 13 s
